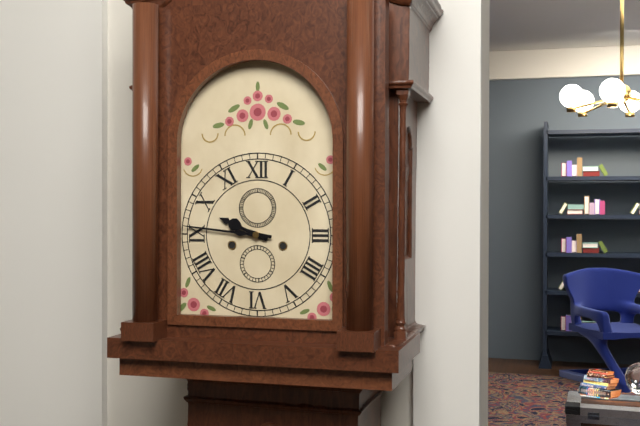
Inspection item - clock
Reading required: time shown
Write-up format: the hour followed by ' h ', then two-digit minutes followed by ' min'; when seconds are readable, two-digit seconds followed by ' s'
9 h 46 min
